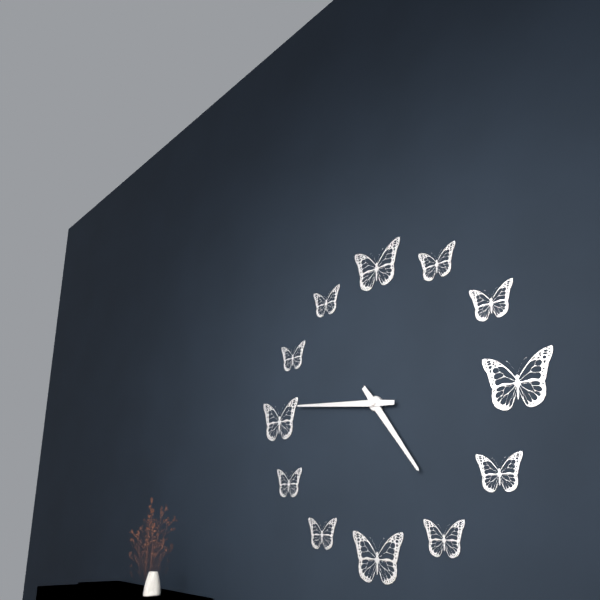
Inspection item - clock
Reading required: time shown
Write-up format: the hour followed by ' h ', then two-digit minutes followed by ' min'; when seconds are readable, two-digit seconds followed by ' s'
4 h 46 min
